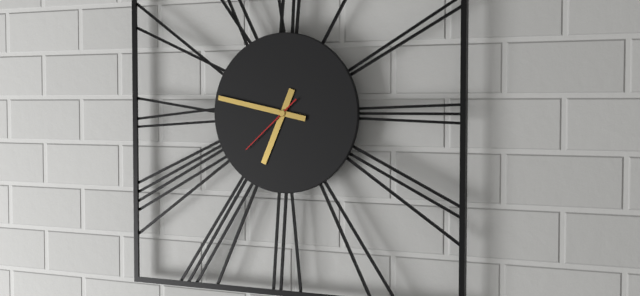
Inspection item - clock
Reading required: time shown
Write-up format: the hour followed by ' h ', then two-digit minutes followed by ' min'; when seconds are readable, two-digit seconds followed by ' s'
6 h 47 min 38 s
